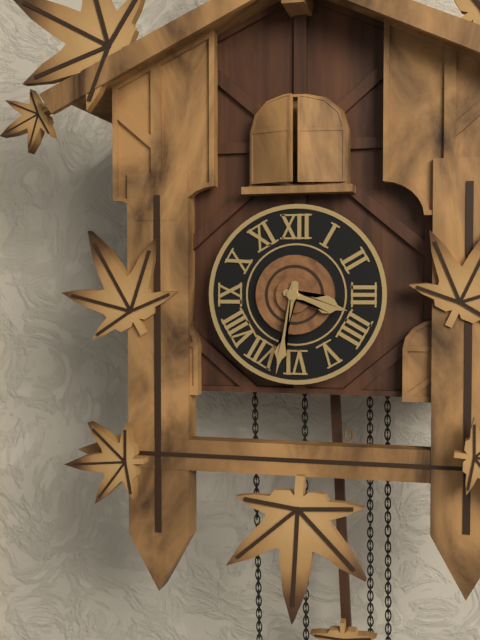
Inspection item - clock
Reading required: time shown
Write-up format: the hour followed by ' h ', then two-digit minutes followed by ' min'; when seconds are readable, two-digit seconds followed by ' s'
3 h 32 min
